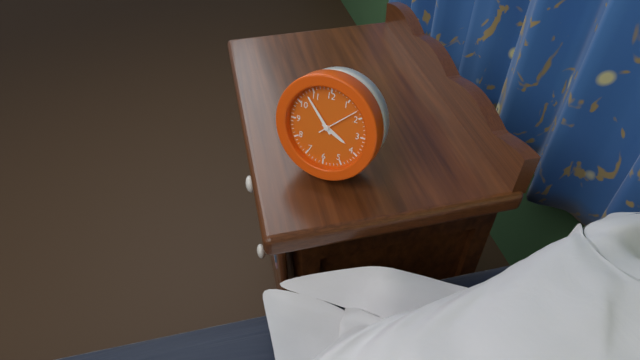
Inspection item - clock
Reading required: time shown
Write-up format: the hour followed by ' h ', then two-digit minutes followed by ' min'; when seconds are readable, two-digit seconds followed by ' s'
3 h 53 min
